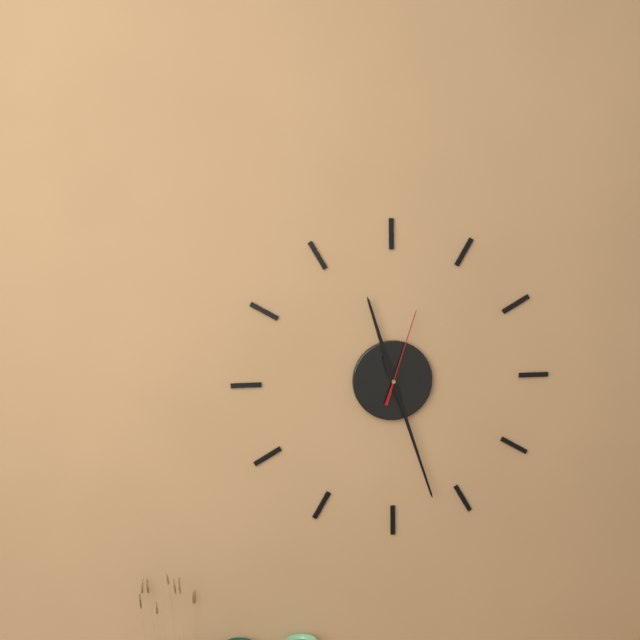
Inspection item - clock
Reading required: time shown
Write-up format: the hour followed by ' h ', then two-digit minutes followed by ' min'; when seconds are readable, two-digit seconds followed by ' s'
11 h 27 min 03 s
